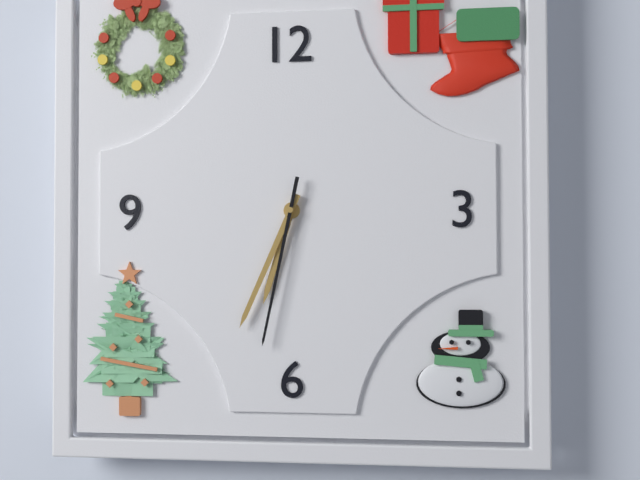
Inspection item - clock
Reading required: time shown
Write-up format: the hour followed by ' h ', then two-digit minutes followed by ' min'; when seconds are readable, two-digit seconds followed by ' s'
6 h 34 min 32 s
